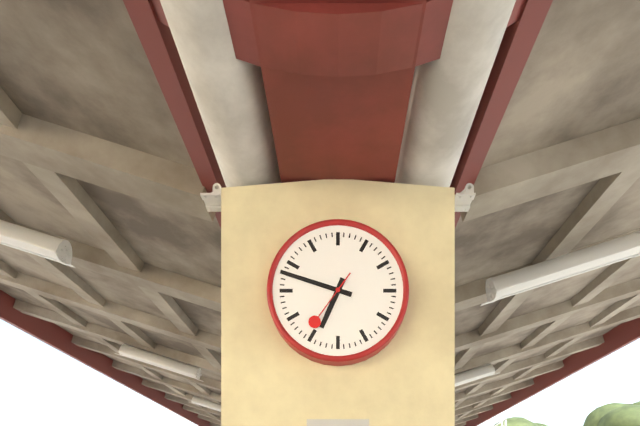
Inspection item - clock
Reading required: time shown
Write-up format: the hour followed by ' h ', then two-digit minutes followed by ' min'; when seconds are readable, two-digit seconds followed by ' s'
6 h 48 min 36 s
